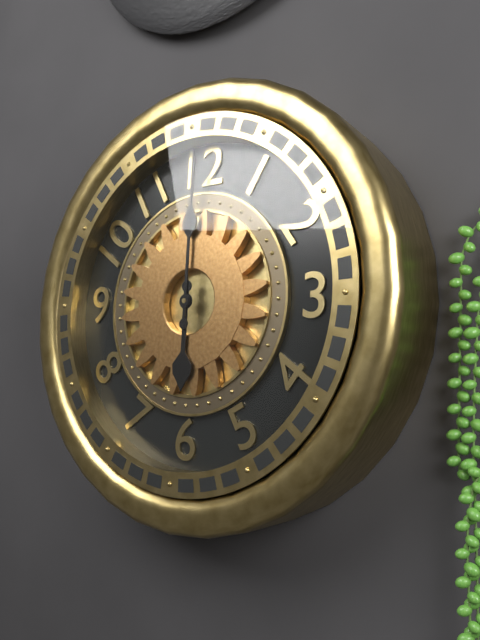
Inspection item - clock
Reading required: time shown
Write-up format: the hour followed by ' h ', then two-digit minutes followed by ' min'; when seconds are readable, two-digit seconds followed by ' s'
6 h 00 min
